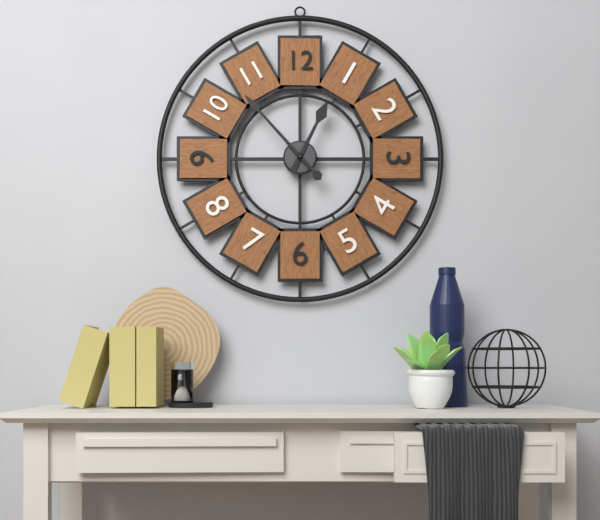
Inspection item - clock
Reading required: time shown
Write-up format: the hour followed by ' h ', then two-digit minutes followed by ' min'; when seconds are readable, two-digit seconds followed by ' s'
12 h 53 min
